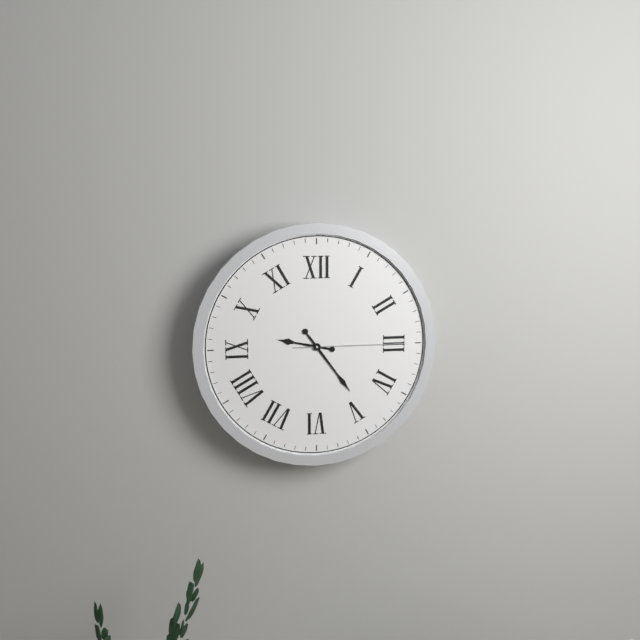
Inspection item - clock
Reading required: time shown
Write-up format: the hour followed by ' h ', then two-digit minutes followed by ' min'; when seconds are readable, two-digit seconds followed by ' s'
9 h 24 min 15 s
